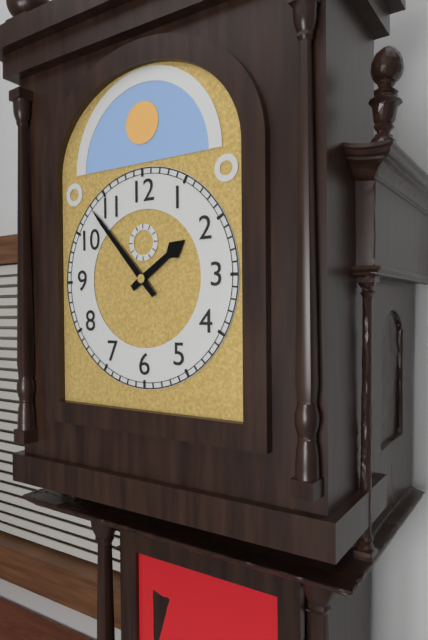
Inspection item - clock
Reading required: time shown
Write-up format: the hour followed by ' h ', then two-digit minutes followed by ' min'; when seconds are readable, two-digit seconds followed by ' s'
1 h 53 min
